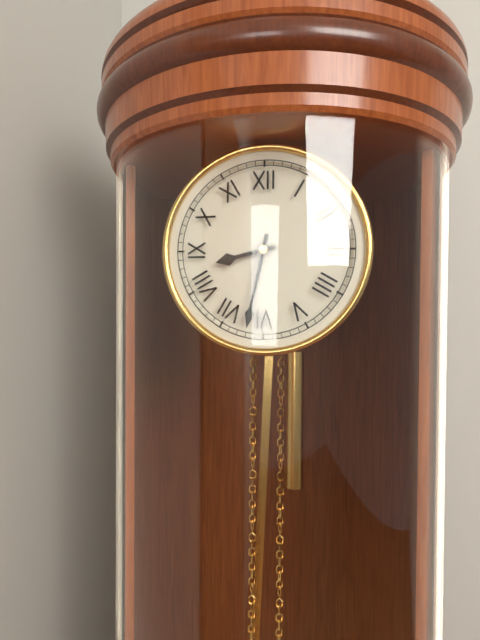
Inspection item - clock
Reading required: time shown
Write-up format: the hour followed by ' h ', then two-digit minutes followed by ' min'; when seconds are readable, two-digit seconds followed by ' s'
8 h 32 min
